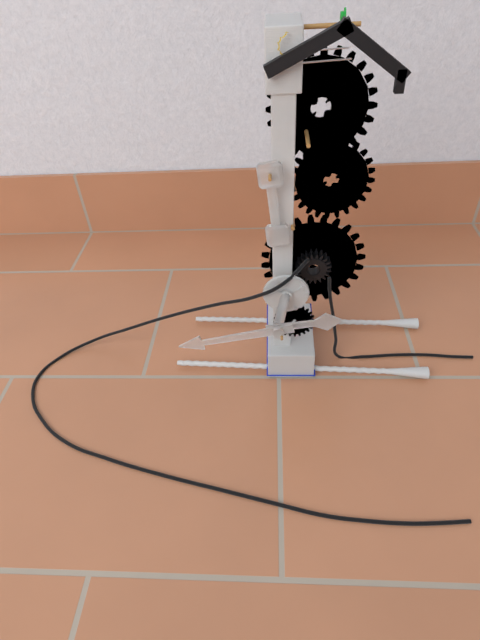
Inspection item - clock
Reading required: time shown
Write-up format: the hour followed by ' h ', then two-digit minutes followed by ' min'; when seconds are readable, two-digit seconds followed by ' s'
2 h 43 min
